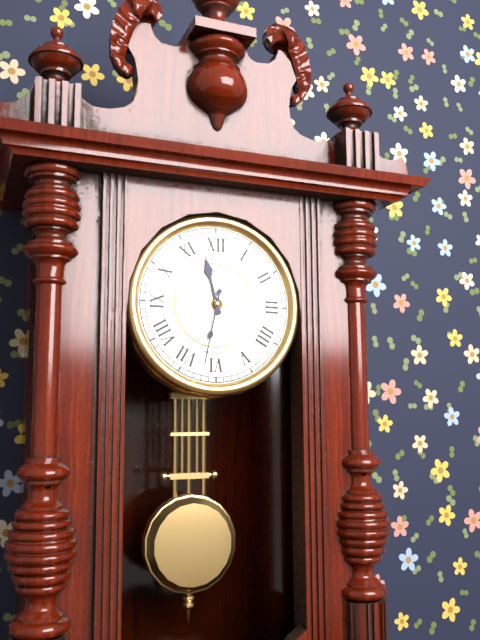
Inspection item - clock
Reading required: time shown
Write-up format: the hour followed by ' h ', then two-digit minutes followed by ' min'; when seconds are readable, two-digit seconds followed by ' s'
11 h 32 min
